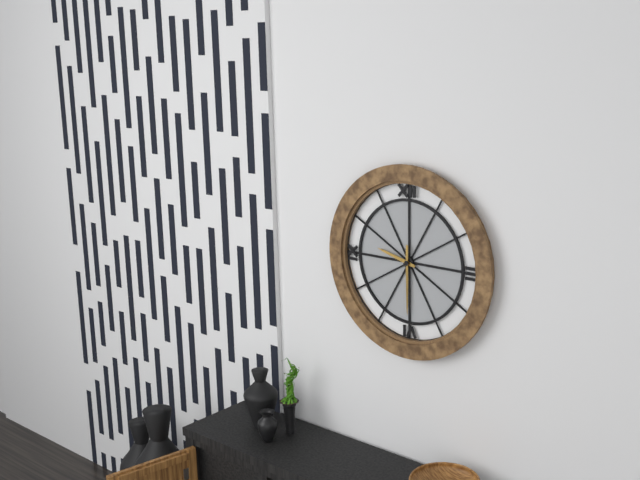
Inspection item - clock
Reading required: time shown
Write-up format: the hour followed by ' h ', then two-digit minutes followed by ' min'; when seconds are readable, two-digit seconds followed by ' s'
9 h 30 min
